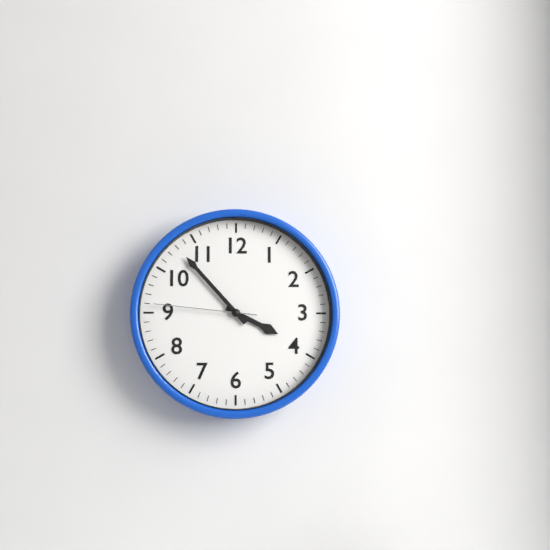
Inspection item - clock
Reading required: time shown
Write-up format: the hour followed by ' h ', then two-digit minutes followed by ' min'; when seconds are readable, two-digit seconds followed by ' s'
3 h 53 min 46 s
